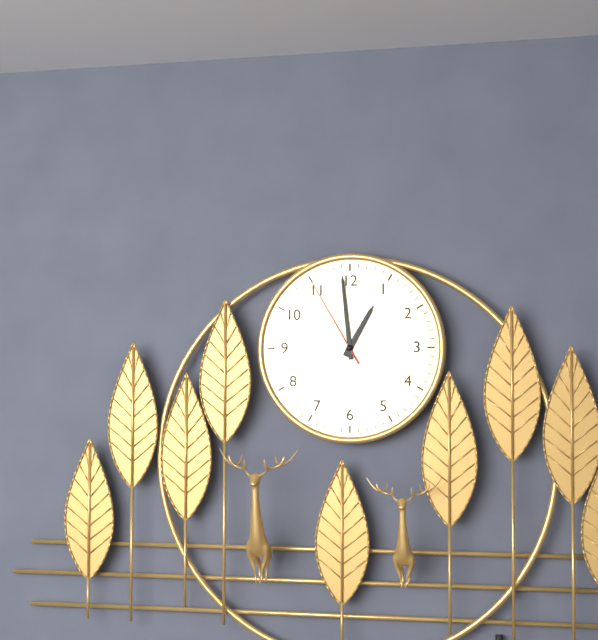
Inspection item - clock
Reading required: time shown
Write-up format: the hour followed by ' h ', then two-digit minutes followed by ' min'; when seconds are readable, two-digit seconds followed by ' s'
12 h 59 min 55 s
